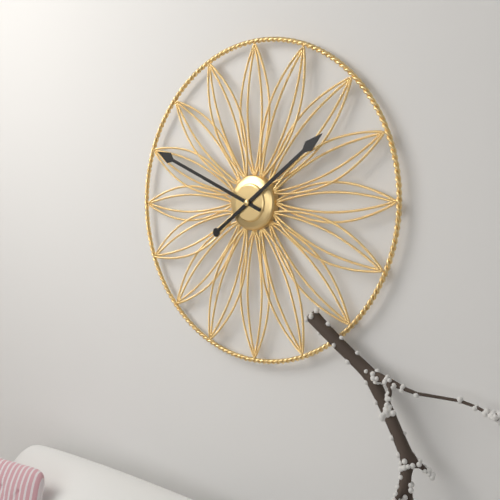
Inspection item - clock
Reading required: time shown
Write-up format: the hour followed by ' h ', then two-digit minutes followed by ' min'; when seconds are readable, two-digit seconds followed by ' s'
1 h 49 min
